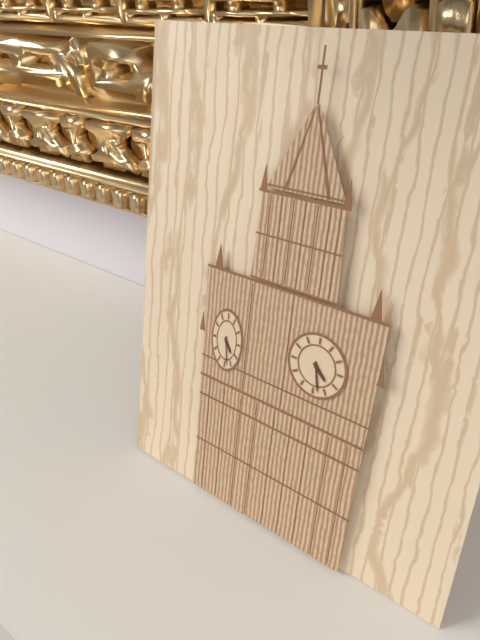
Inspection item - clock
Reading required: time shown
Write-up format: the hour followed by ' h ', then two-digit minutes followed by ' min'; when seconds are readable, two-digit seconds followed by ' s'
4 h 28 min
